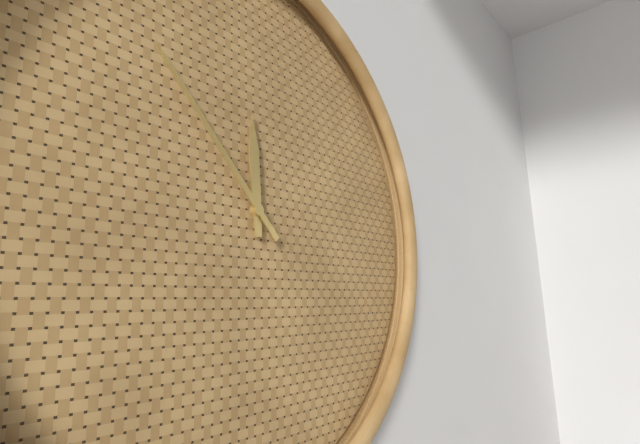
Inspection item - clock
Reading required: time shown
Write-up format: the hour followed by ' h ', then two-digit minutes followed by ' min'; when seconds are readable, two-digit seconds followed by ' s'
11 h 53 min
